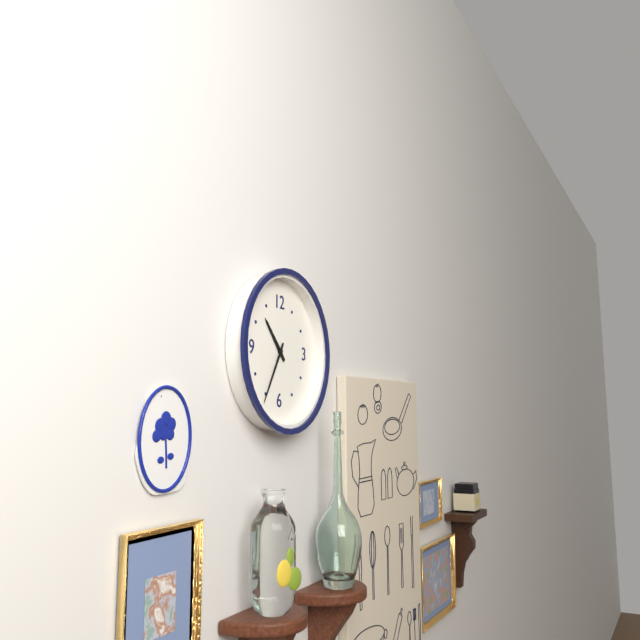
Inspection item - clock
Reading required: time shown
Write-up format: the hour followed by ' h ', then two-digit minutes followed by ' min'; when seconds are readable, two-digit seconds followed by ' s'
10 h 35 min
